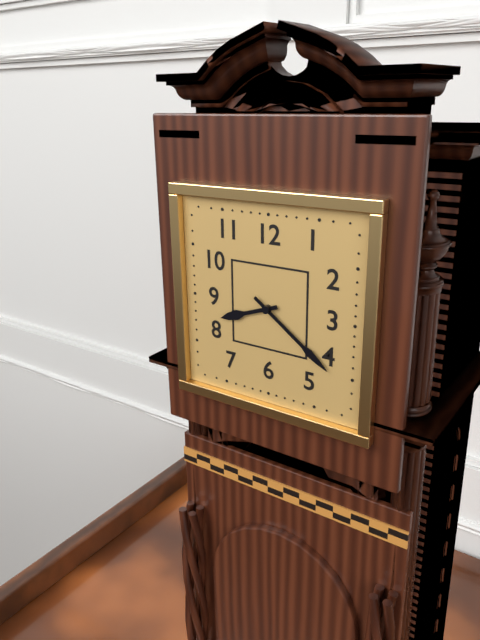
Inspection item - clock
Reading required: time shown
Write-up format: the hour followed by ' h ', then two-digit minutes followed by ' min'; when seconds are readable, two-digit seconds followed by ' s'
8 h 21 min
